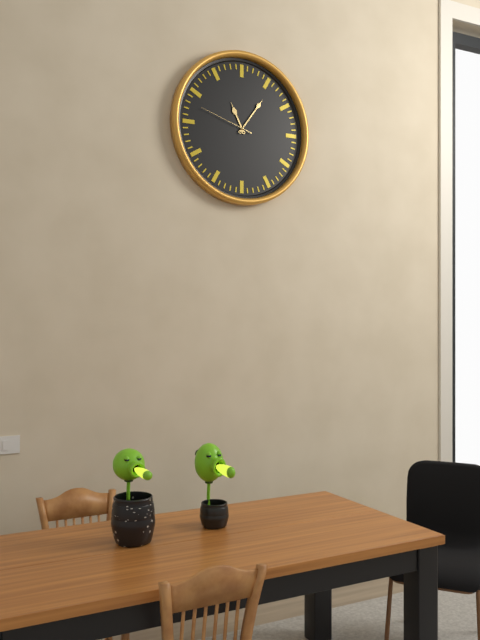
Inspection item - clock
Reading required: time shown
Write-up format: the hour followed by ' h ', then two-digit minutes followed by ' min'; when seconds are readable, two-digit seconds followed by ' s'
11 h 06 min 48 s
